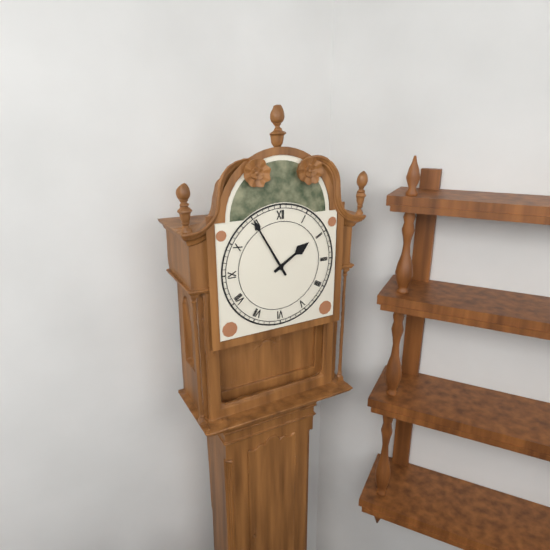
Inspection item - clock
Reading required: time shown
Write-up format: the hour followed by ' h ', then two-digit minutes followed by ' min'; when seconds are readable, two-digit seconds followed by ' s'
1 h 55 min
